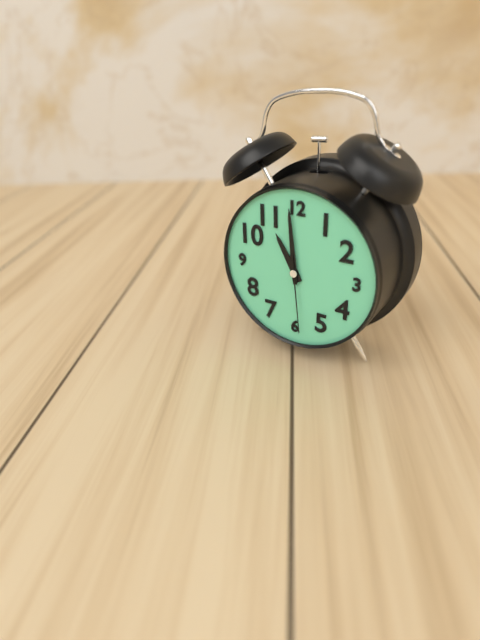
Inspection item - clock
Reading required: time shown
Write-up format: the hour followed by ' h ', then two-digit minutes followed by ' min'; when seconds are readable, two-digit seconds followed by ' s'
10 h 59 min 29 s
